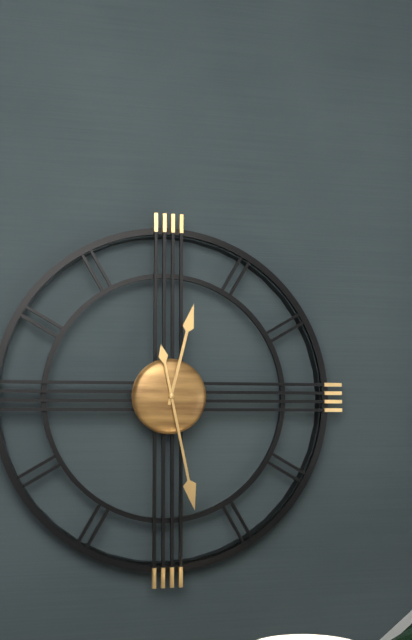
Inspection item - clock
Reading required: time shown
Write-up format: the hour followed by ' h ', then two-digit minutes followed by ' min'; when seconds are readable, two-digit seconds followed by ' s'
12 h 28 min
